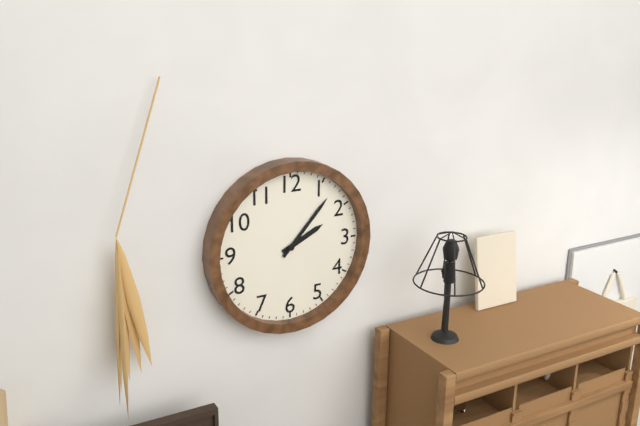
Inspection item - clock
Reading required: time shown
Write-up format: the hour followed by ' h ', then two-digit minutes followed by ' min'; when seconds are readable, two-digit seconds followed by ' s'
2 h 07 min
